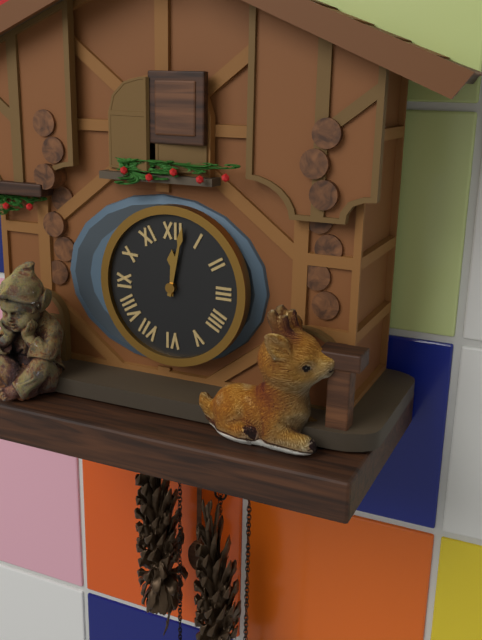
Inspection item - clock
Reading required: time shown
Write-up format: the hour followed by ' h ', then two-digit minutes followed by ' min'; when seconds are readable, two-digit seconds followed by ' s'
12 h 02 min
